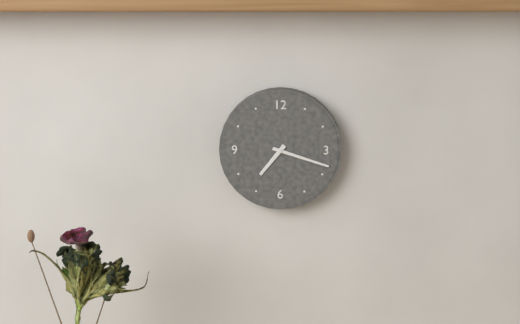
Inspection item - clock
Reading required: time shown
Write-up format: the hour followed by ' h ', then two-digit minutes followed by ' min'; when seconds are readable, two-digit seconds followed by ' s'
7 h 18 min
